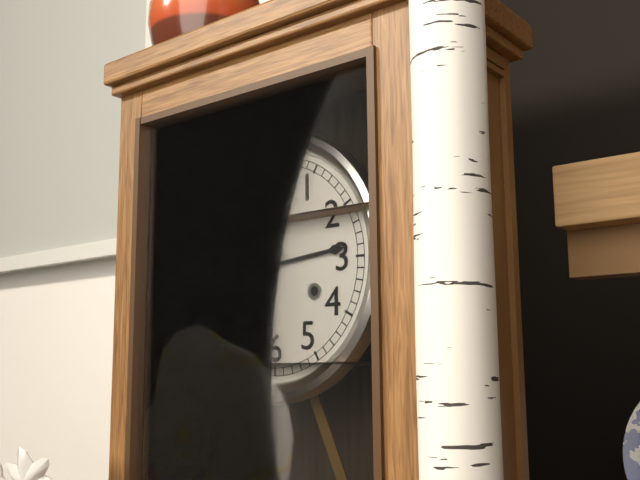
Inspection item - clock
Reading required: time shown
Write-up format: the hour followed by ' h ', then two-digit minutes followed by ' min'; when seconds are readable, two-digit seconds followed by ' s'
7 h 14 min
